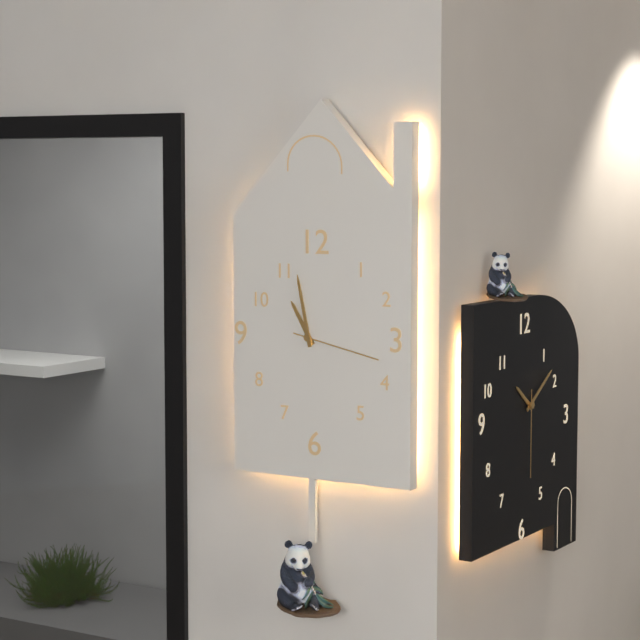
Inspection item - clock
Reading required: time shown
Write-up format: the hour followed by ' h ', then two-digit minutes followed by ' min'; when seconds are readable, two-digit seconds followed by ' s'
10 h 58 min 17 s
